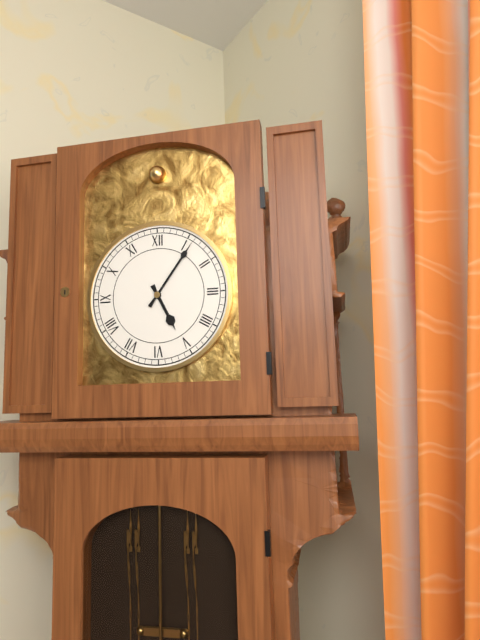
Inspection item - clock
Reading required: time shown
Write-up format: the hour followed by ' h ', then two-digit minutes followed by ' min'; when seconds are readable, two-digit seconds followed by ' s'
5 h 06 min
